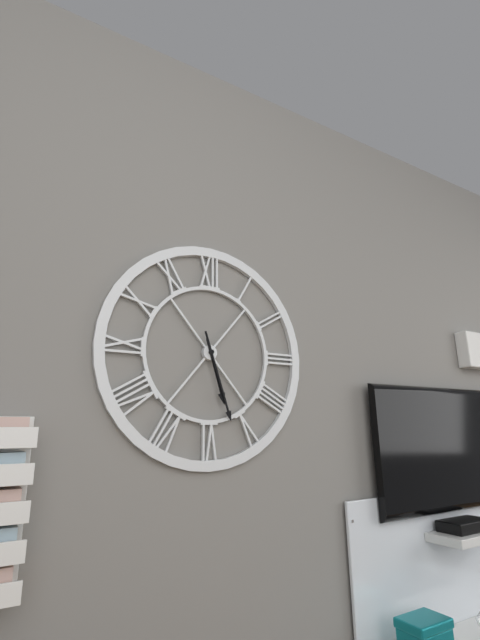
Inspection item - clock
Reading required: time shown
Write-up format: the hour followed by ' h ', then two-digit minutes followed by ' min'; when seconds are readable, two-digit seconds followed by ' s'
5 h 27 min
